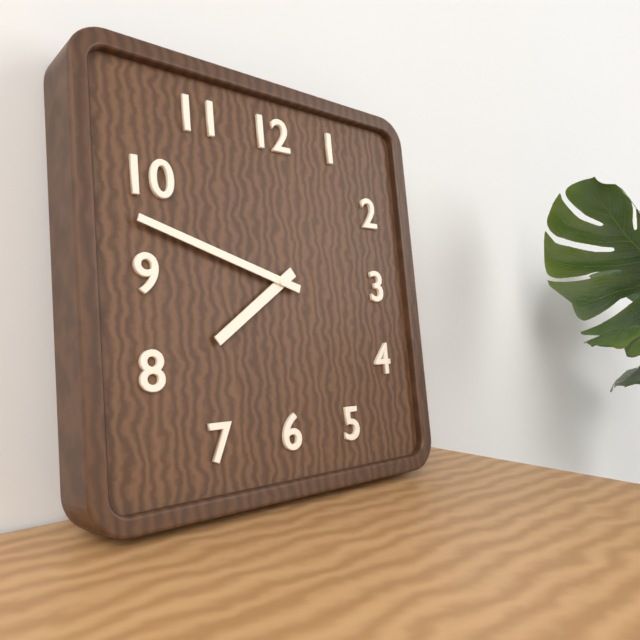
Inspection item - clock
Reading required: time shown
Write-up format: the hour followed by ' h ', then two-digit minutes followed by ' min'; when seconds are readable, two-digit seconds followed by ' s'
7 h 48 min
